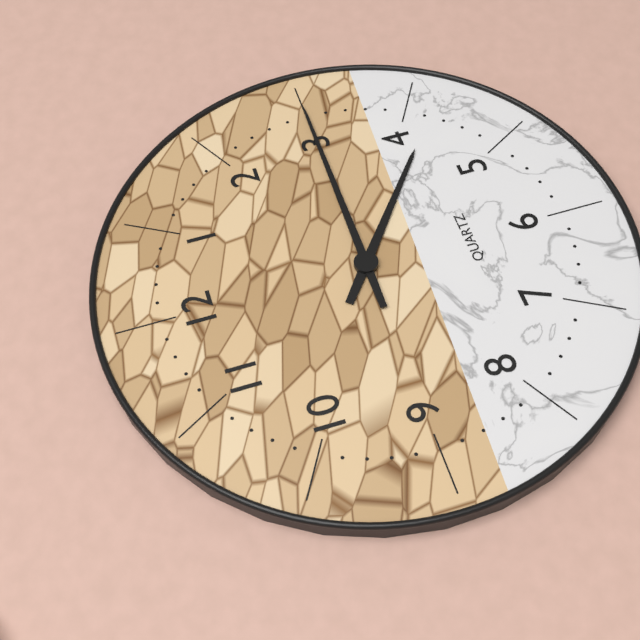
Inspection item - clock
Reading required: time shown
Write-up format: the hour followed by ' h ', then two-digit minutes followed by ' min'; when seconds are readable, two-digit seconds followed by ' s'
4 h 15 min
